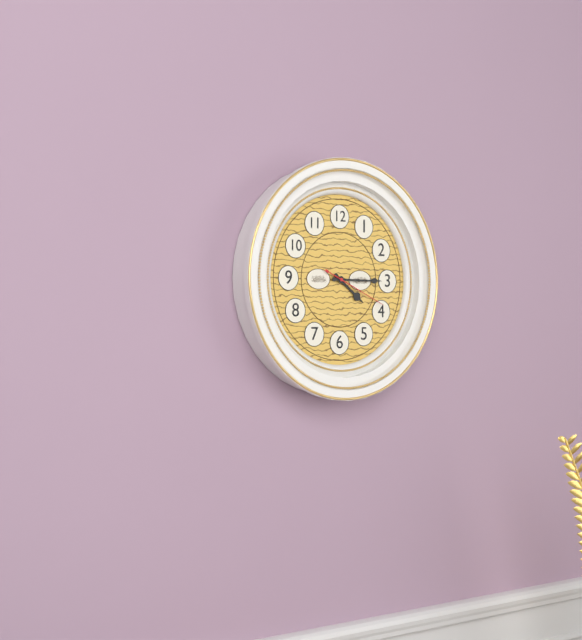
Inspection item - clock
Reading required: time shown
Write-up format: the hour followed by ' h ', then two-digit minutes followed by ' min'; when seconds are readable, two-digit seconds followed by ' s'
4 h 15 min 19 s
